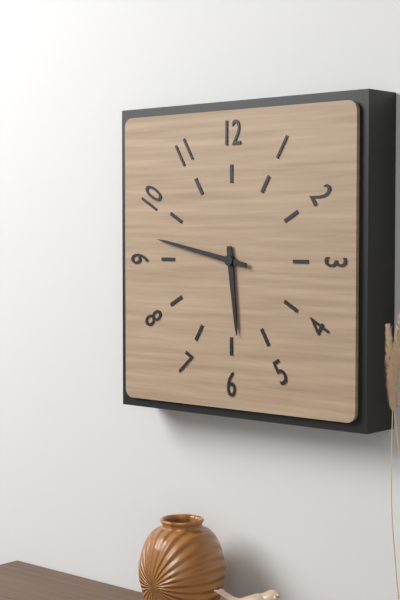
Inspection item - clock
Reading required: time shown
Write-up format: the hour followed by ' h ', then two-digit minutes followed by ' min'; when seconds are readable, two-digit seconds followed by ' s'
5 h 47 min
